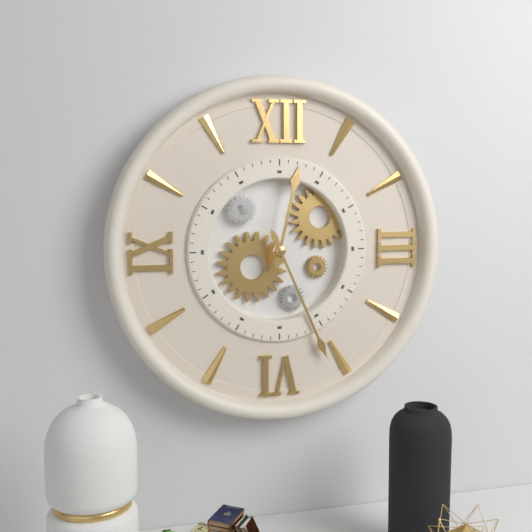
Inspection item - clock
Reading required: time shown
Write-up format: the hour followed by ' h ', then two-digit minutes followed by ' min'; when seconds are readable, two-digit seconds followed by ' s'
12 h 26 min
